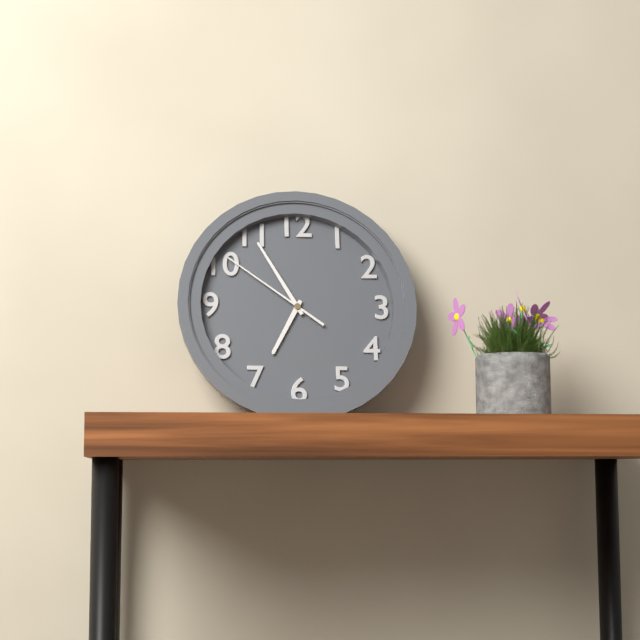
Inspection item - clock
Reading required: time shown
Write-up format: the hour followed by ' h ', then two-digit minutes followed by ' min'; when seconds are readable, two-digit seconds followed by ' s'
6 h 55 min 51 s
